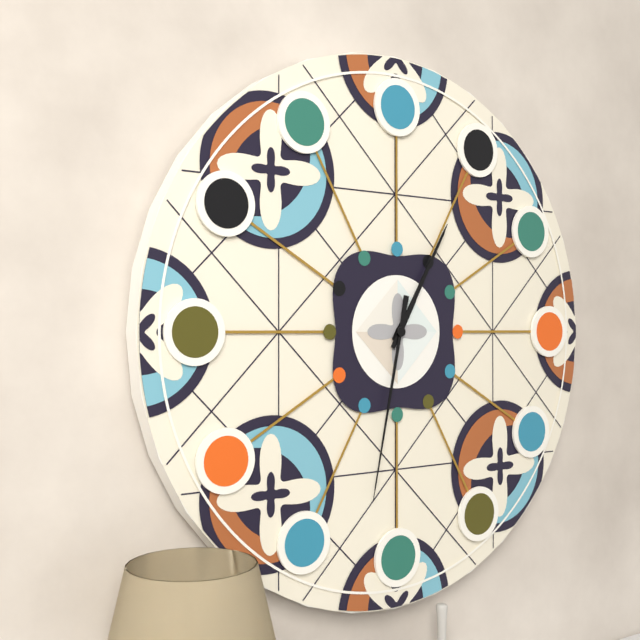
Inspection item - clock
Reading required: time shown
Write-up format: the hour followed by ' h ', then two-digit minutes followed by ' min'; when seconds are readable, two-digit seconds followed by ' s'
1 h 05 min 32 s
